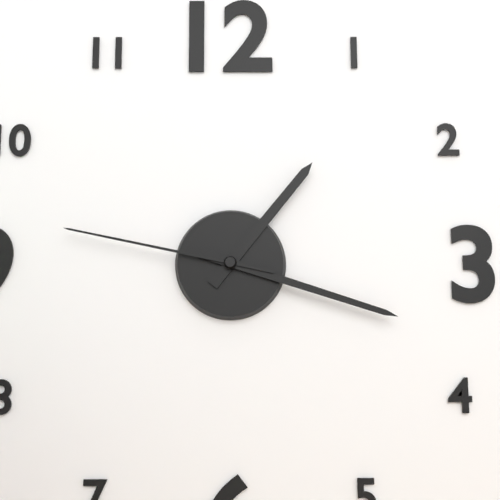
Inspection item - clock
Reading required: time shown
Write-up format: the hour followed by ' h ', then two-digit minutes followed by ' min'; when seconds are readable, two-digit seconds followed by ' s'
1 h 18 min 47 s
